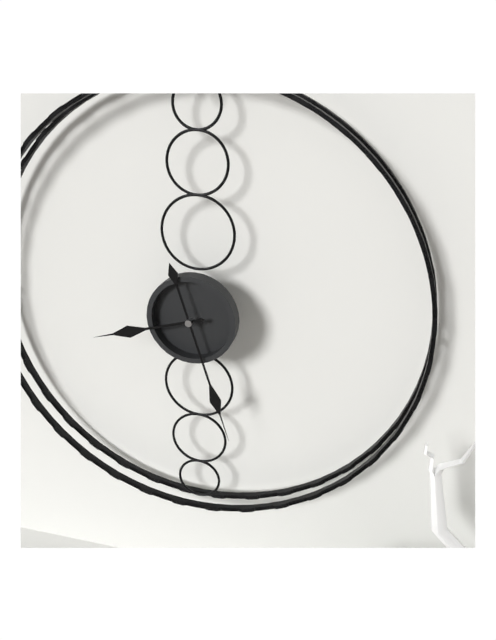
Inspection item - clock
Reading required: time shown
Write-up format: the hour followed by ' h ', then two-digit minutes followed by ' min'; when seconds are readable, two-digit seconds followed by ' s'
8 h 27 min
